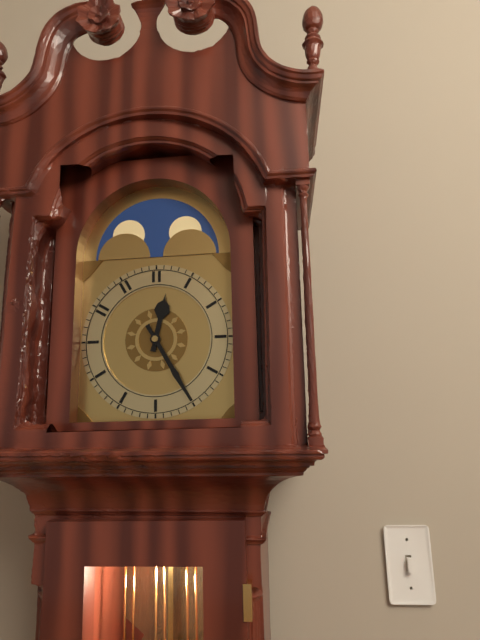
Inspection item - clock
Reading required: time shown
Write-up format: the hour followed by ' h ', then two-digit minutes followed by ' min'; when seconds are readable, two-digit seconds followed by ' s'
12 h 25 min
